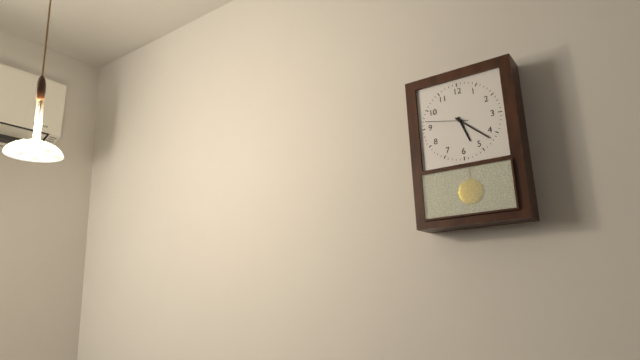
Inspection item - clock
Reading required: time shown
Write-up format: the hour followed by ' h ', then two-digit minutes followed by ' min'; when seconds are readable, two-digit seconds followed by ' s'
5 h 22 min
